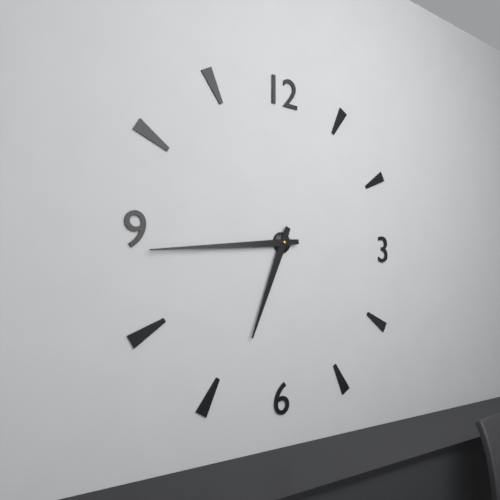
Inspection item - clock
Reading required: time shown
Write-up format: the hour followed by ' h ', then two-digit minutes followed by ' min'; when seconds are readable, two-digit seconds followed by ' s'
6 h 44 min
